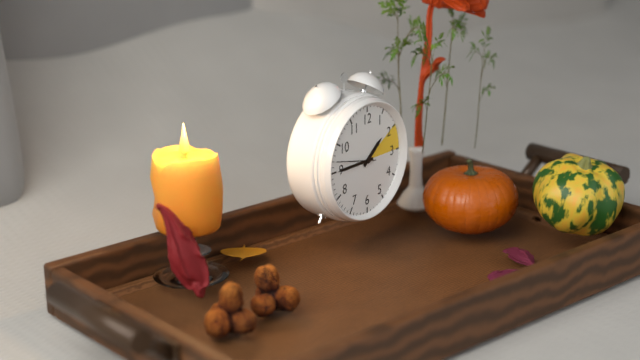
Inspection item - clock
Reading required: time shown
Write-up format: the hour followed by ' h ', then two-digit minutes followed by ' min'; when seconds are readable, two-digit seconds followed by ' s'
1 h 45 min
